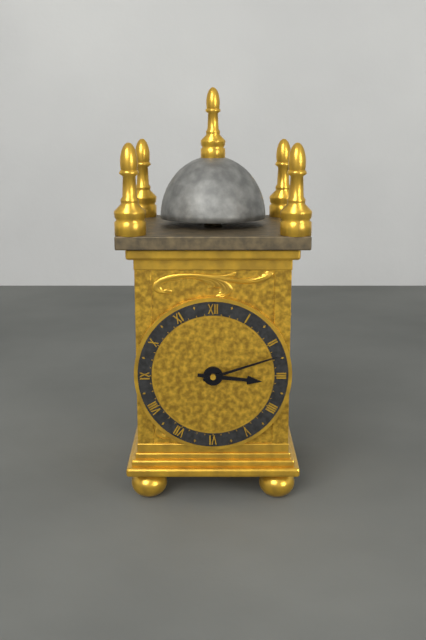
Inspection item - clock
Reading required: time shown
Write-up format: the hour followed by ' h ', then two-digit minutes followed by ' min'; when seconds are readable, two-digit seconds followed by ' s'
3 h 12 min
